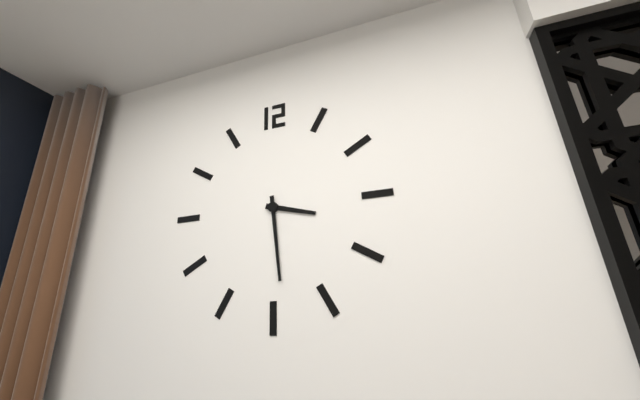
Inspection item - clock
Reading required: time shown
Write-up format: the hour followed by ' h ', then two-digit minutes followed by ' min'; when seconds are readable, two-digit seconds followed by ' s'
3 h 29 min
